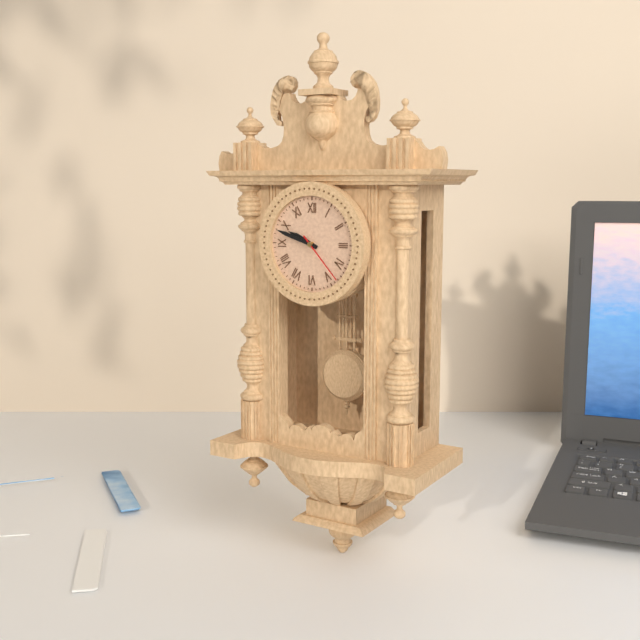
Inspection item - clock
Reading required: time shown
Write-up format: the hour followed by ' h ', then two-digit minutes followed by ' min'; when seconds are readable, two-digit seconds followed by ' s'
9 h 48 min 23 s
